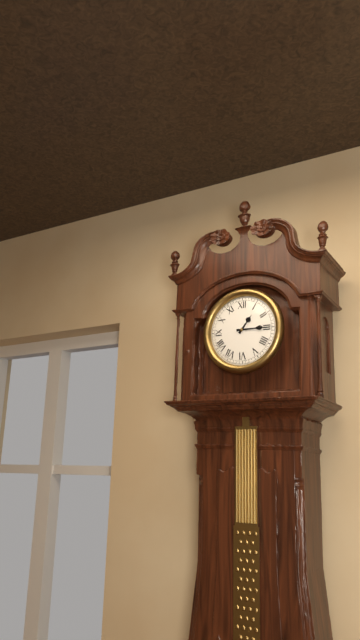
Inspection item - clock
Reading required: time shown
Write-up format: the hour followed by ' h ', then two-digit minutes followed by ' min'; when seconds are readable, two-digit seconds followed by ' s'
1 h 15 min
